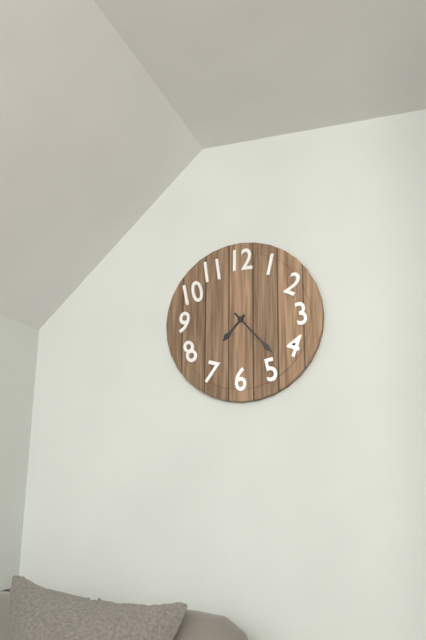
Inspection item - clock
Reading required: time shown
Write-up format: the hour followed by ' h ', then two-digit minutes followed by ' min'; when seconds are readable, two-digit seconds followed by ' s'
7 h 23 min
